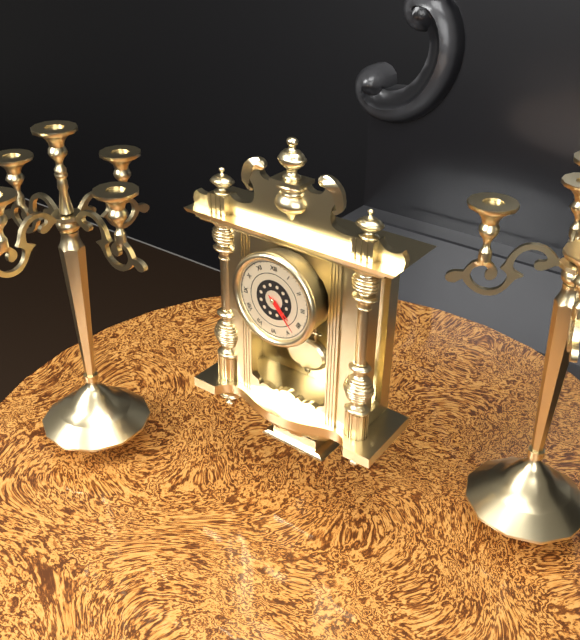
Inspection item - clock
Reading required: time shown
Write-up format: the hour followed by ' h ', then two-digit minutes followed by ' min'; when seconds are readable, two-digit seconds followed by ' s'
4 h 23 min
